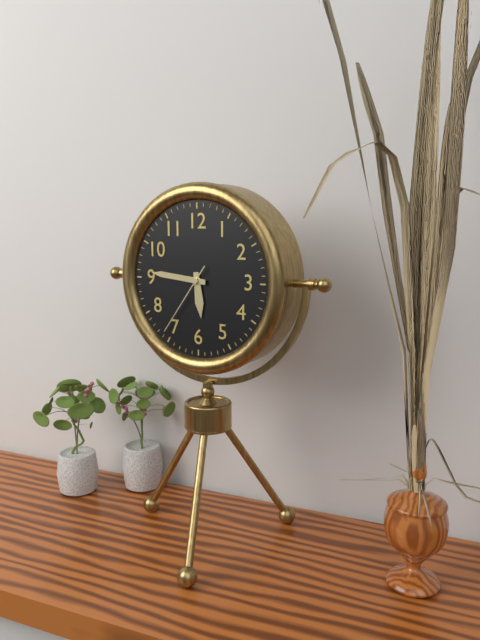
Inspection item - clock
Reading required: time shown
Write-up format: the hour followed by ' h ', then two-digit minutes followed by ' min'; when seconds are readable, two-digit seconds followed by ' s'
5 h 46 min 36 s
